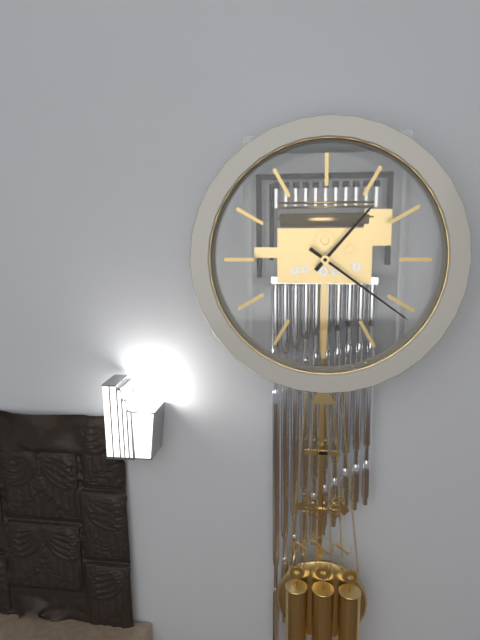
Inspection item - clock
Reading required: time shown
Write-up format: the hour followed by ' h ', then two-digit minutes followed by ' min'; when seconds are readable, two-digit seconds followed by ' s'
1 h 21 min
